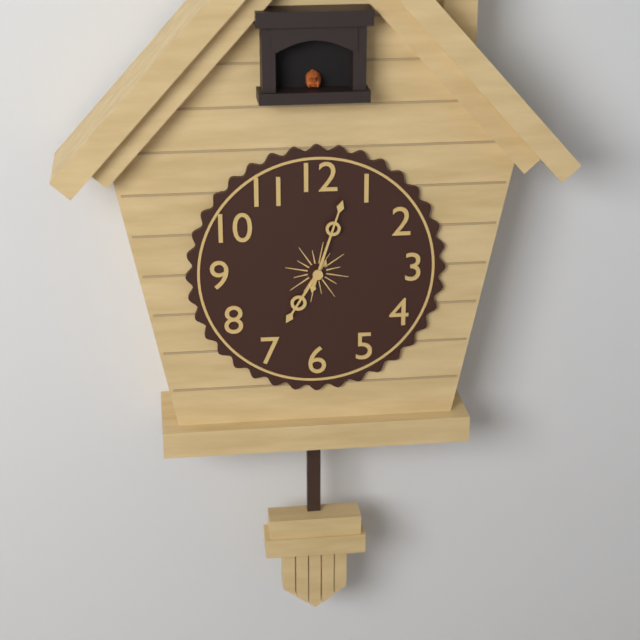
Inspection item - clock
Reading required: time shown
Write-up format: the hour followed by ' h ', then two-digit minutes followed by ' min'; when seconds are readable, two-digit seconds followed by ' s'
7 h 03 min
